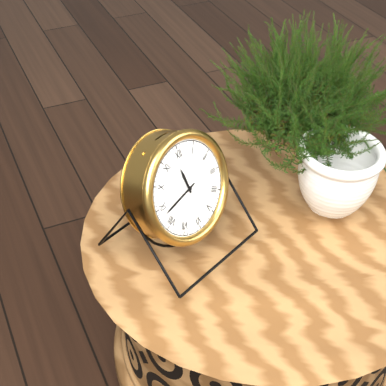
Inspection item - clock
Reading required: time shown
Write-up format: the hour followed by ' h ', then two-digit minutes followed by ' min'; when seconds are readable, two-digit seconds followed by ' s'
11 h 43 min
